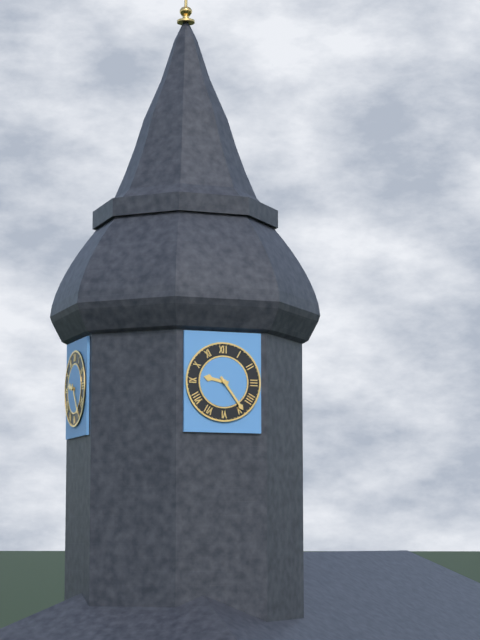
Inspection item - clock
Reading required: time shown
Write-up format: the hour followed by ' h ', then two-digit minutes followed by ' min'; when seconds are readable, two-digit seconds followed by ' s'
9 h 24 min
